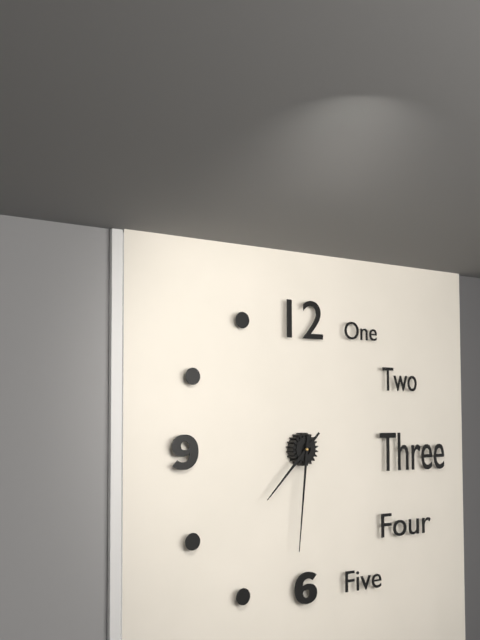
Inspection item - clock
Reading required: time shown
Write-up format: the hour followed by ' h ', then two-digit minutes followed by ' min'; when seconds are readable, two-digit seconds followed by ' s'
7 h 31 min
